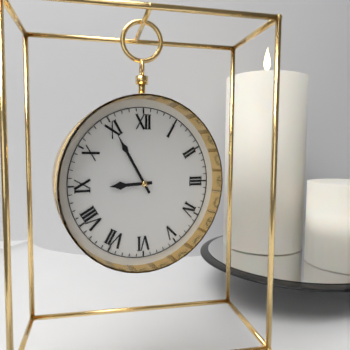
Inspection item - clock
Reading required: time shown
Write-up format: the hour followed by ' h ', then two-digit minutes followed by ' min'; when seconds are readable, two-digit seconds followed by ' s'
8 h 55 min
